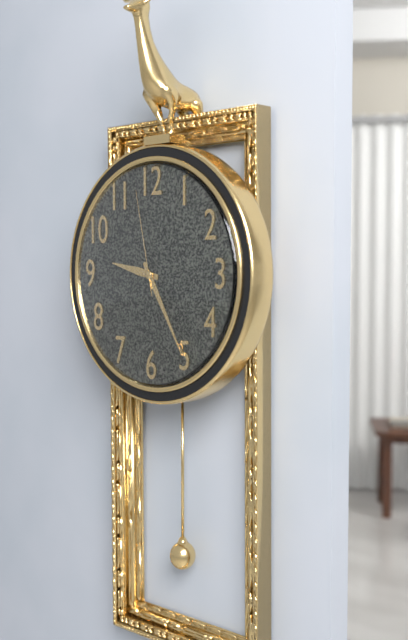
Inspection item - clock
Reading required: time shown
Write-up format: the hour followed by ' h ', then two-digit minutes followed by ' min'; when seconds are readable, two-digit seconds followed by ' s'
9 h 25 min 58 s
